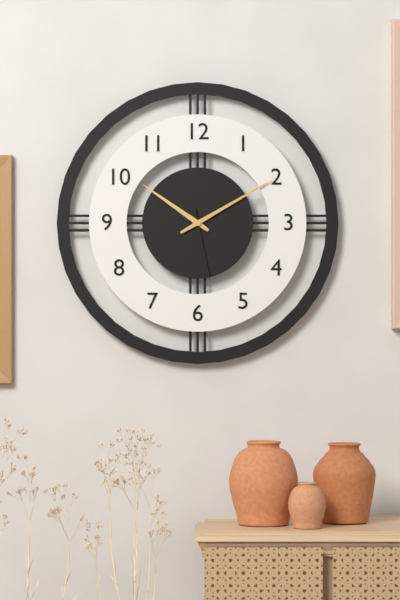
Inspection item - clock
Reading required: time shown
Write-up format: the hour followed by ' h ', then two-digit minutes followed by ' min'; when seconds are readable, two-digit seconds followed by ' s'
10 h 10 min 28 s
